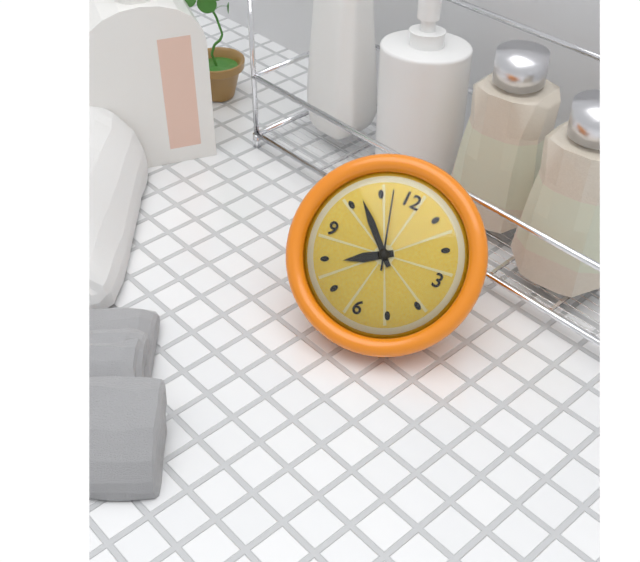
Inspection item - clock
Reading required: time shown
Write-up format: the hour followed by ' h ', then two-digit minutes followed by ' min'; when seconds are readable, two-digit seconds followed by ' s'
7 h 52 min 57 s
